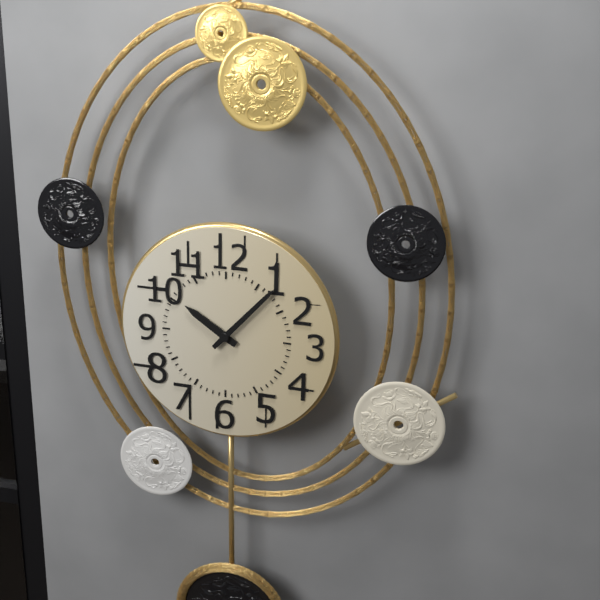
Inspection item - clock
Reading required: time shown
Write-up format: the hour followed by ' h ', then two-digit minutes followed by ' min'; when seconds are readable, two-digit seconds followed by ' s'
10 h 07 min
